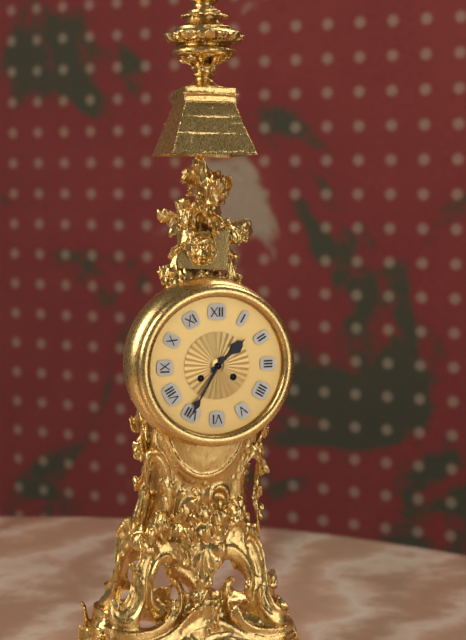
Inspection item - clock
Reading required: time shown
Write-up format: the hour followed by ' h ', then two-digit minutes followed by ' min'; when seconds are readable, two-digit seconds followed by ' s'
1 h 35 min
